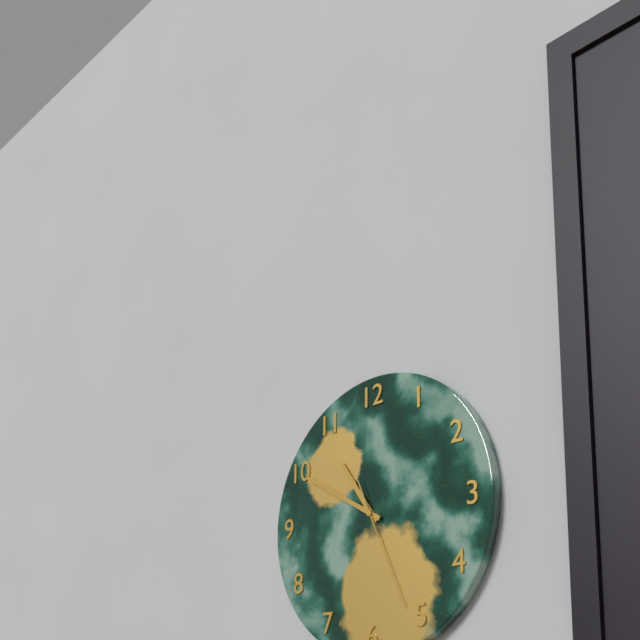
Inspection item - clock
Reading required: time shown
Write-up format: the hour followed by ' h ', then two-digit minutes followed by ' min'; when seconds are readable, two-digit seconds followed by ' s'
10 h 50 min 26 s
